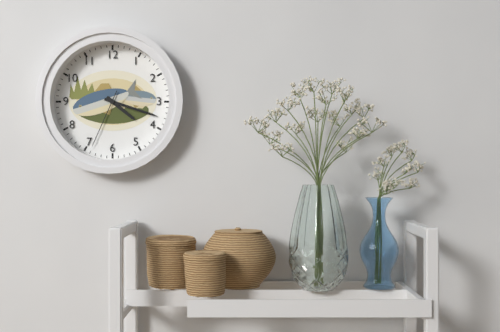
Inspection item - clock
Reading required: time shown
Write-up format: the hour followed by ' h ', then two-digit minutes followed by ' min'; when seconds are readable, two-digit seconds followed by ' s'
4 h 18 min 34 s
